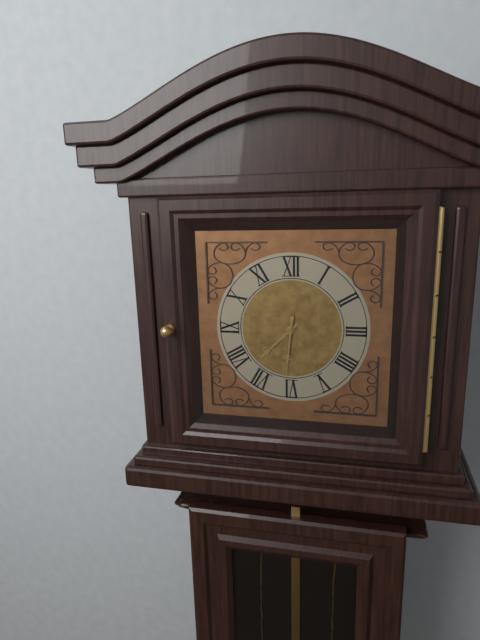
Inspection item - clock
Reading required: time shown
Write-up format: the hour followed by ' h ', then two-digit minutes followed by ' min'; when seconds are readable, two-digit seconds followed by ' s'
7 h 31 min
